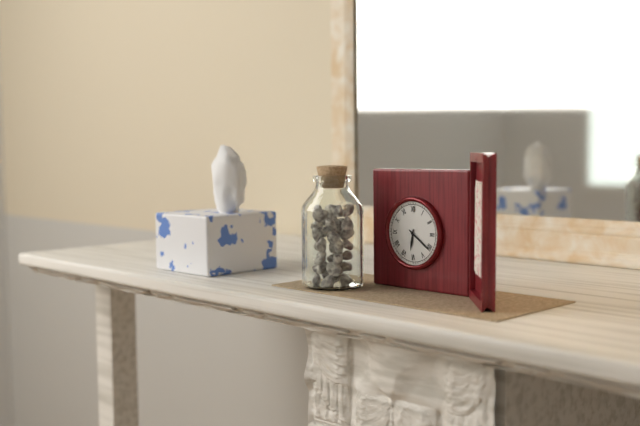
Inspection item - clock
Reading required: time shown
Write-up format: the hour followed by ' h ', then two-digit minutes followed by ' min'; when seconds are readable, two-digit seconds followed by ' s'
6 h 21 min
